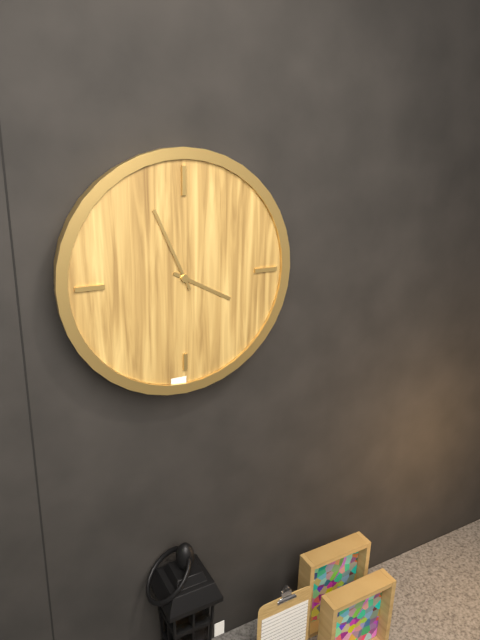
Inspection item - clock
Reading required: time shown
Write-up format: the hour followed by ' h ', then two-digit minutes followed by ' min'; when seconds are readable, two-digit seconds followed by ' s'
3 h 56 min
